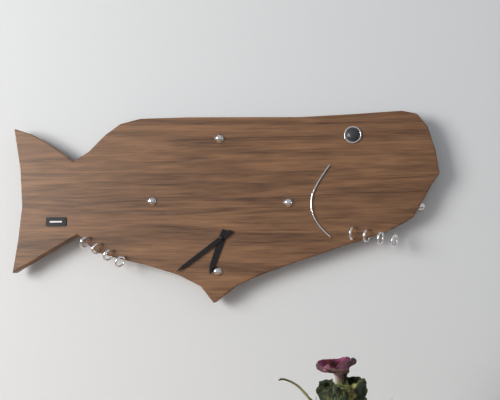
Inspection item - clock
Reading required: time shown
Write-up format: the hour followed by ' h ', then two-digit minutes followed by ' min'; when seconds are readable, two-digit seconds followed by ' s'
6 h 39 min
